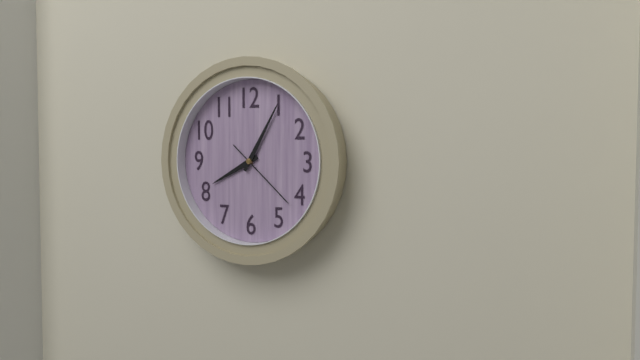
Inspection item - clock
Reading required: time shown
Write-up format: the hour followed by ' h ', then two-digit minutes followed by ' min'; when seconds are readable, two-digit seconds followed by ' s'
8 h 05 min 22 s
